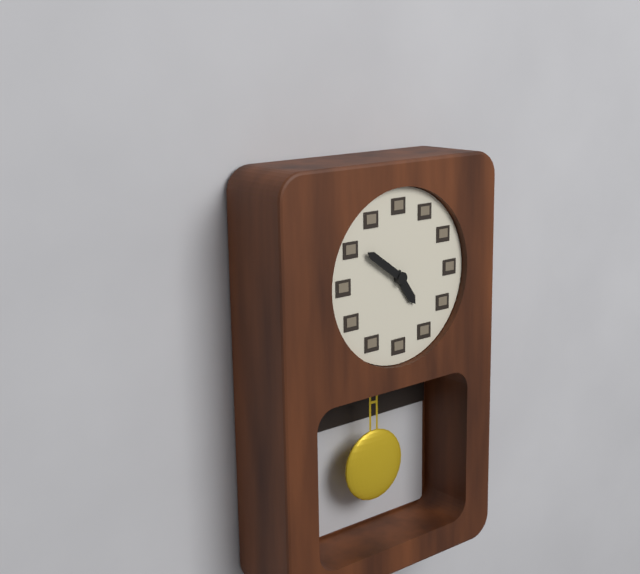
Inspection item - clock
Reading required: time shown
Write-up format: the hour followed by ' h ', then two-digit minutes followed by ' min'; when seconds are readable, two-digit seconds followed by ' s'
4 h 51 min
